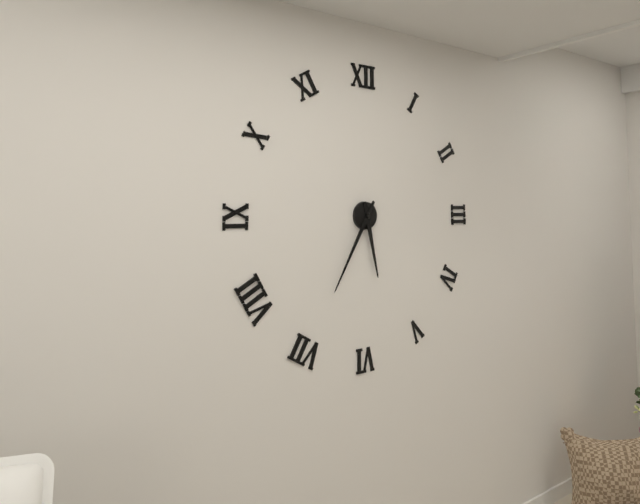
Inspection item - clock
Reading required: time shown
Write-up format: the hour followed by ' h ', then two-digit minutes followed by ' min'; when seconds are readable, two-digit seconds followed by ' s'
5 h 35 min
